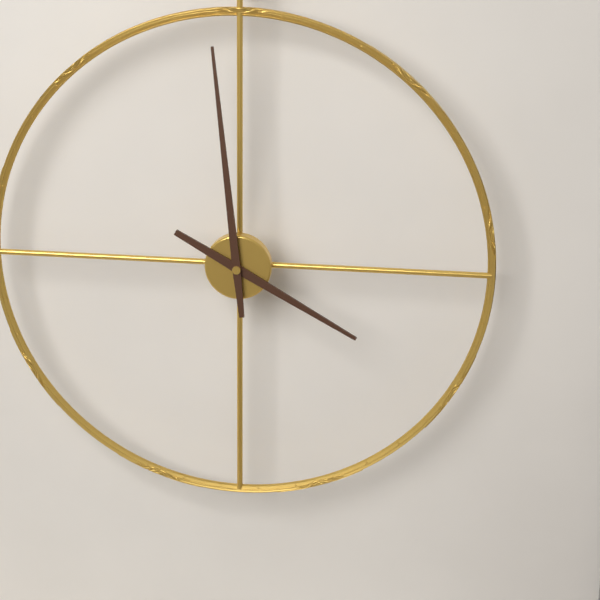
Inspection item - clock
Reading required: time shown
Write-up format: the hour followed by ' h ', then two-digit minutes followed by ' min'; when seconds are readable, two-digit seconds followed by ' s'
3 h 59 min
